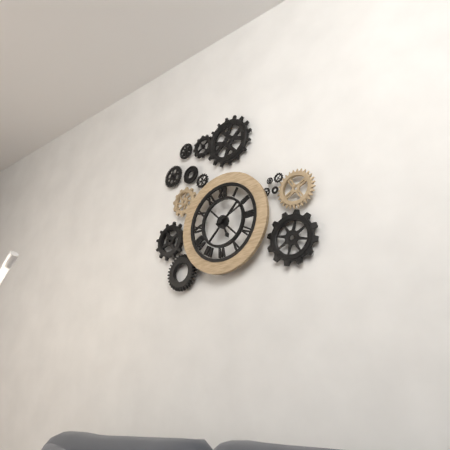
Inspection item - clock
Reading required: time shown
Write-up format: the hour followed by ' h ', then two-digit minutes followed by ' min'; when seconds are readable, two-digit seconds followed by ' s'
5 h 11 min
